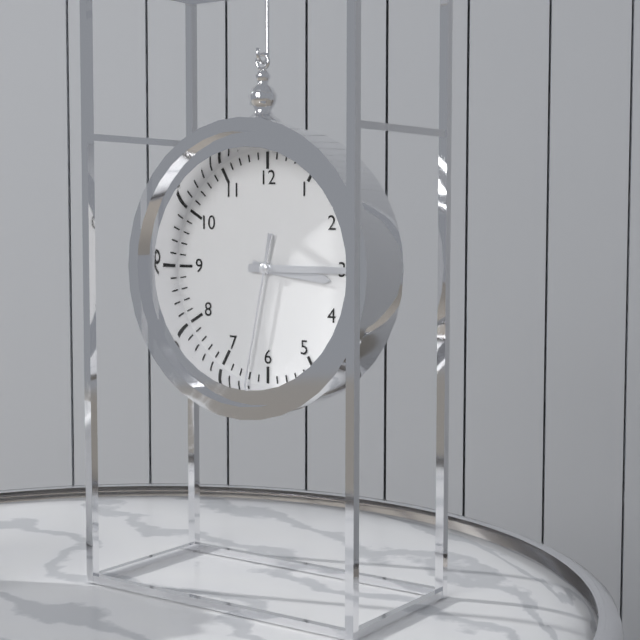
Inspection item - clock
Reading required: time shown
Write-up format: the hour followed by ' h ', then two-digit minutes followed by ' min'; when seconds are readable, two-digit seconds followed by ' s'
3 h 15 min 32 s
